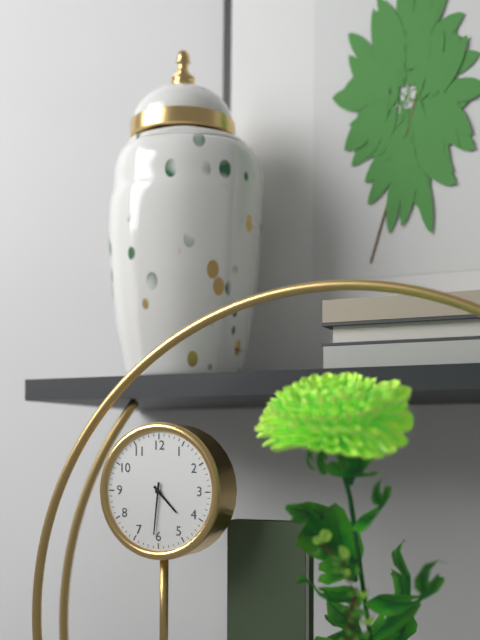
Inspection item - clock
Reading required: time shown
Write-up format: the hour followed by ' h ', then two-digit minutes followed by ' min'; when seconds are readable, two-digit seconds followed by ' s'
4 h 31 min
